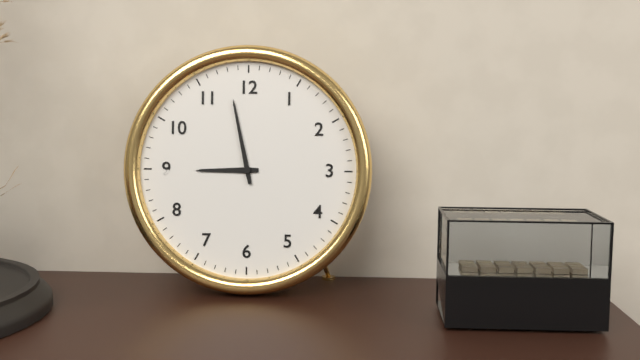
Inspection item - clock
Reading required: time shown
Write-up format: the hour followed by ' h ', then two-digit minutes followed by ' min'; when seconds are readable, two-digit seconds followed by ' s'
8 h 58 min
